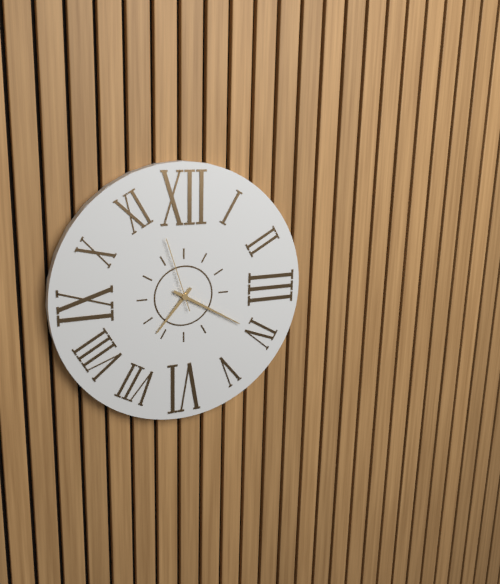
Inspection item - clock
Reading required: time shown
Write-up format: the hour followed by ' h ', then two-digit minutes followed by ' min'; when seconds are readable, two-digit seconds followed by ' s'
7 h 20 min 57 s
